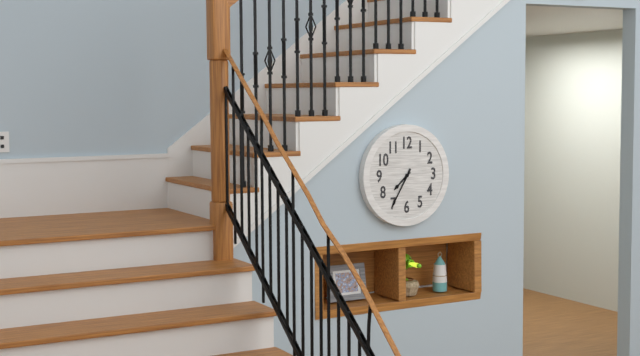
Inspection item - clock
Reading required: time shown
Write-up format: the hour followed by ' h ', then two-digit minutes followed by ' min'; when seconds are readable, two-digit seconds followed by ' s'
7 h 35 min
